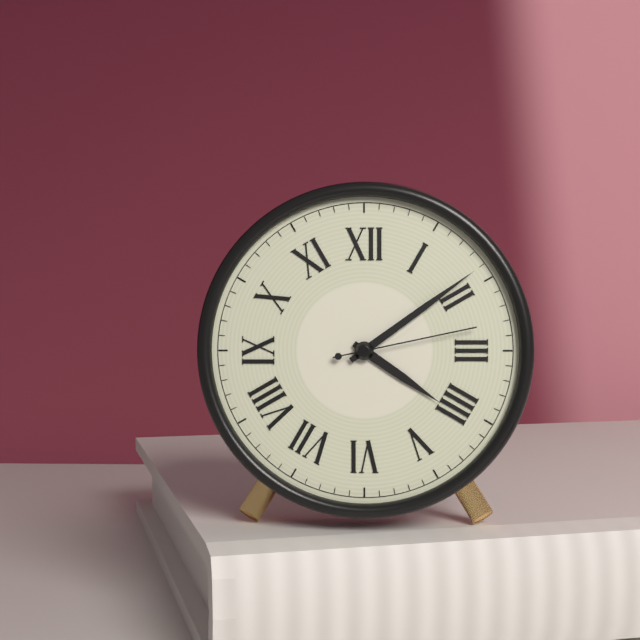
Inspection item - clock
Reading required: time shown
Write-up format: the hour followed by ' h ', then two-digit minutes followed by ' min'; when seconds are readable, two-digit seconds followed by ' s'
4 h 09 min 13 s
